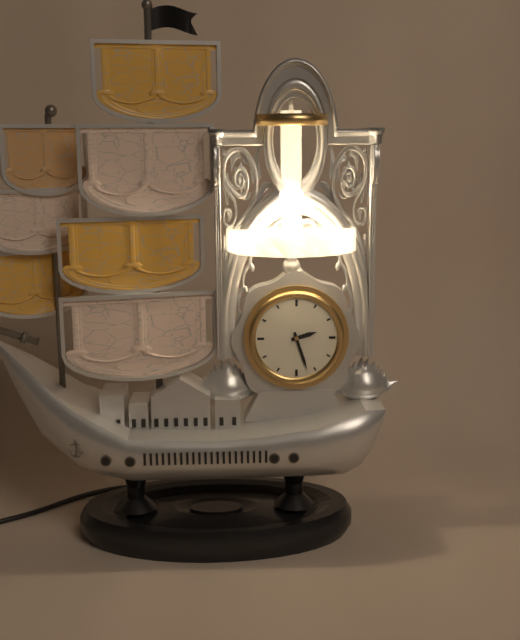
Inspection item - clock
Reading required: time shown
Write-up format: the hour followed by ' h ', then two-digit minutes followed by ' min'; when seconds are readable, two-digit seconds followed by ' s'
2 h 27 min
